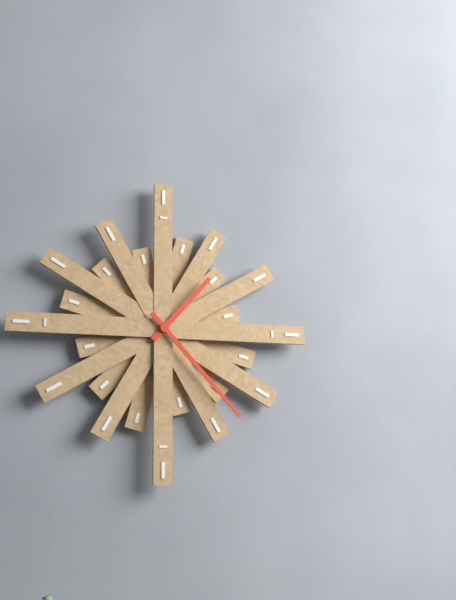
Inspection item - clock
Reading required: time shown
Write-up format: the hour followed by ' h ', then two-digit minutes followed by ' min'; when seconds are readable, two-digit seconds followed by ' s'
1 h 23 min
